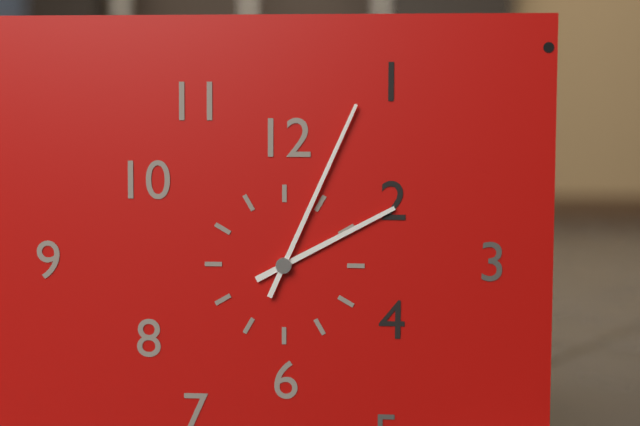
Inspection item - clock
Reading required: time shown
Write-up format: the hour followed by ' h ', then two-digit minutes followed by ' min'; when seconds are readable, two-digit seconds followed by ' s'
2 h 04 min
